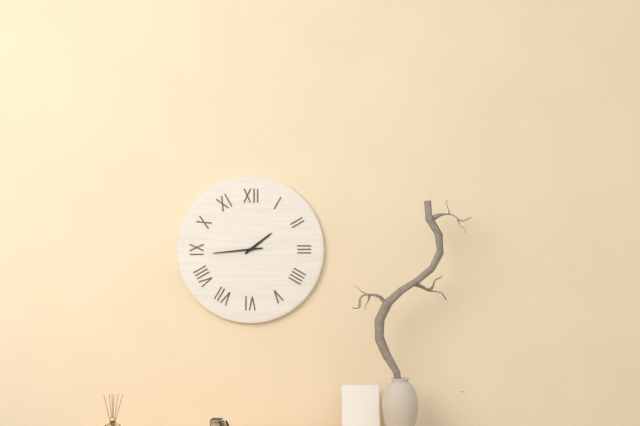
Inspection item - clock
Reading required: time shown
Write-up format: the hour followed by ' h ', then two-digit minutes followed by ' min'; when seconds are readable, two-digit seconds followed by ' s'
1 h 44 min
